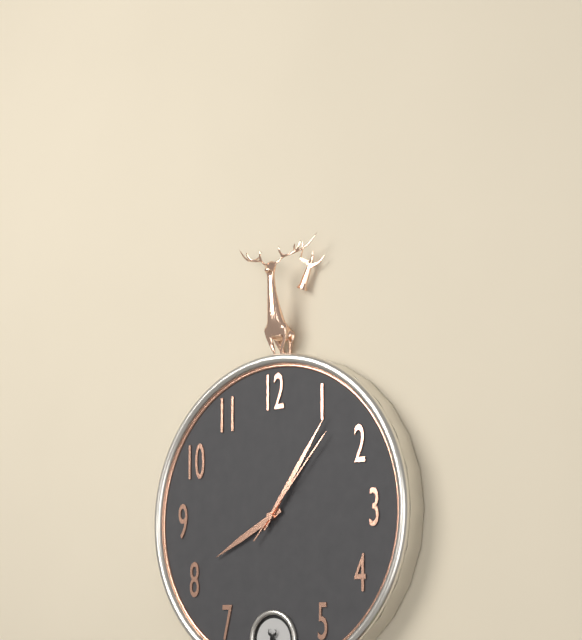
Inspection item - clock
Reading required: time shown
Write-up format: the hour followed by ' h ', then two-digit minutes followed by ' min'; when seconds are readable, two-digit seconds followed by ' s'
8 h 06 min 07 s
